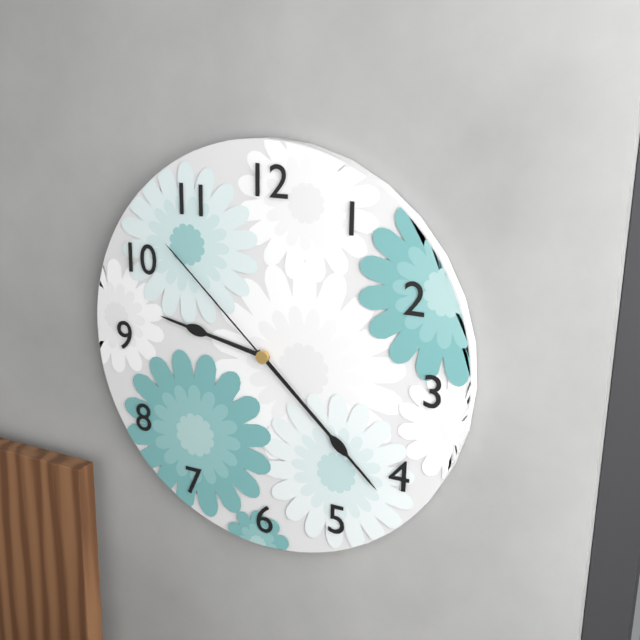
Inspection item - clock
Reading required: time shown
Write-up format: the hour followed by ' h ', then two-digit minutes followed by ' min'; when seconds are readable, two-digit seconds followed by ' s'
9 h 22 min 52 s
